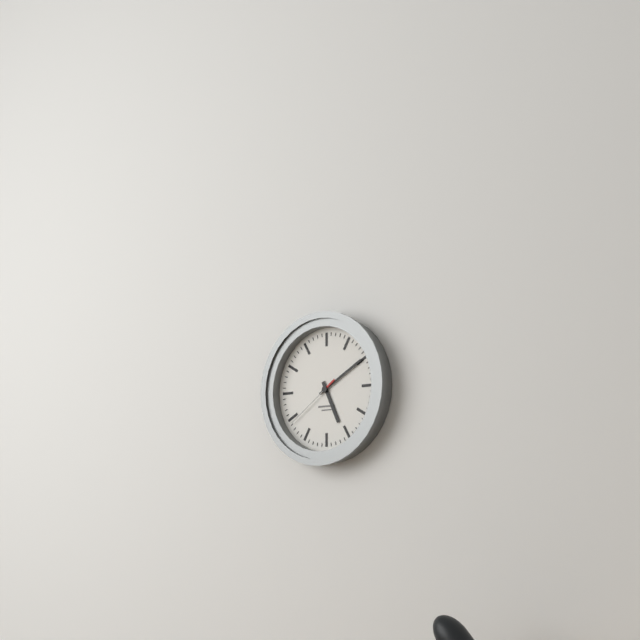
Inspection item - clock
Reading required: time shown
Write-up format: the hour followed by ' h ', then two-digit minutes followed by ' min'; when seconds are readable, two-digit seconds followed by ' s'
5 h 10 min 39 s
